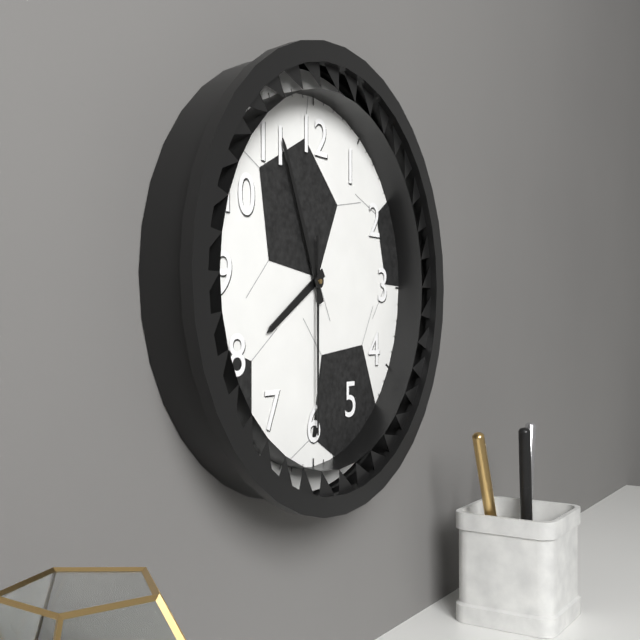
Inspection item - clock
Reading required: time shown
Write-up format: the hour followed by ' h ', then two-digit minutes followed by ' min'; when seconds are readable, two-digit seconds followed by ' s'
7 h 56 min 30 s
